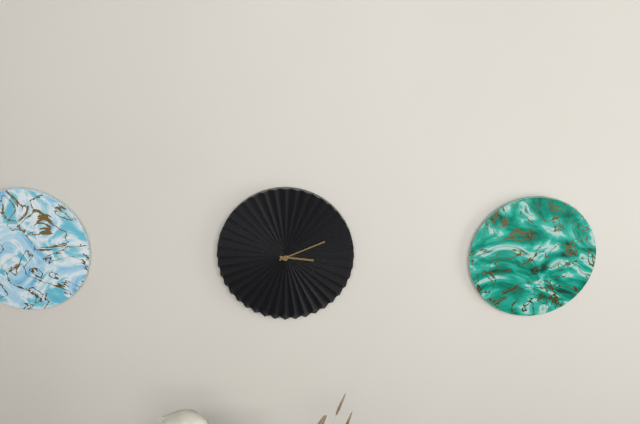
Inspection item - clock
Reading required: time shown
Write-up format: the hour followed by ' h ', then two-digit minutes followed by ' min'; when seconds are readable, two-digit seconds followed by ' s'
3 h 11 min
